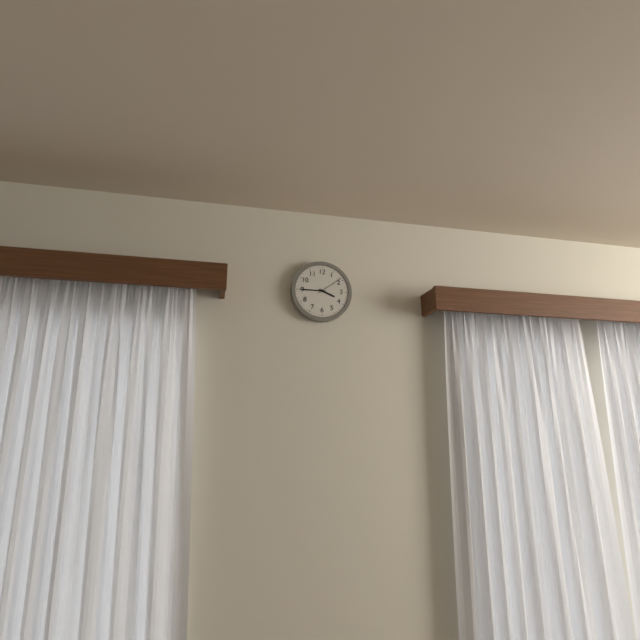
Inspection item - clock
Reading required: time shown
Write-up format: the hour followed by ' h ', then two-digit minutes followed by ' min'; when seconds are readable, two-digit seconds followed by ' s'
3 h 45 min
